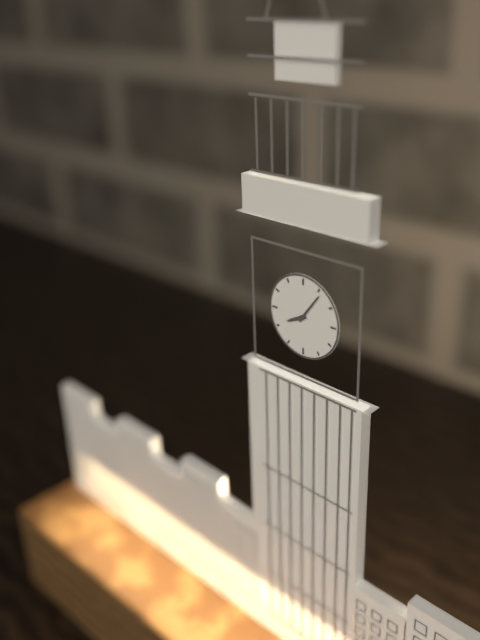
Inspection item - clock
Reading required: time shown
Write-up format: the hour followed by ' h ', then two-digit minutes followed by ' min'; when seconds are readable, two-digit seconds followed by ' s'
8 h 06 min
